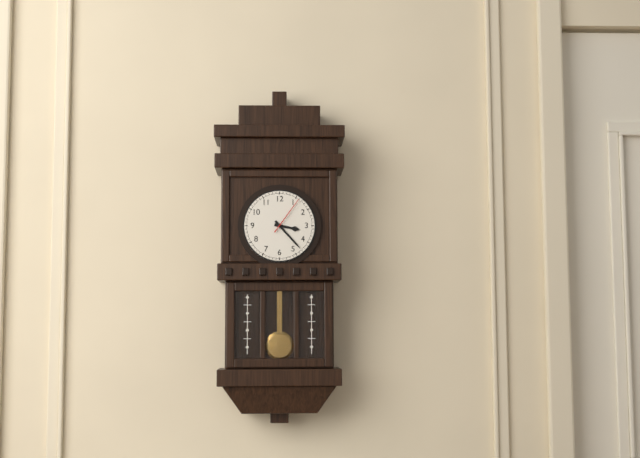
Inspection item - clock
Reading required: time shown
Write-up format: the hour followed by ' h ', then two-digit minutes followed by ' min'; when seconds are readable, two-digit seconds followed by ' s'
3 h 23 min
